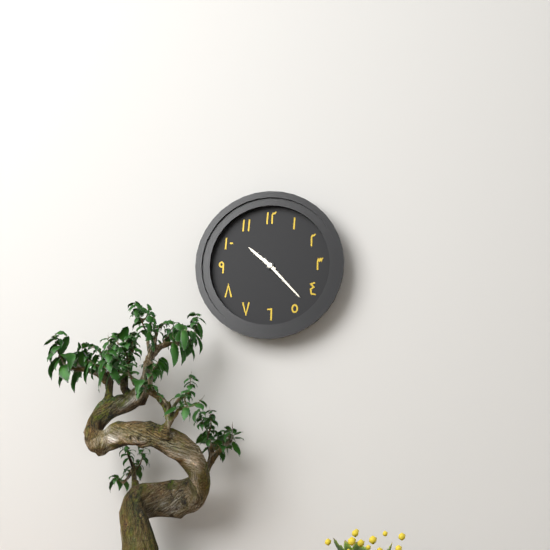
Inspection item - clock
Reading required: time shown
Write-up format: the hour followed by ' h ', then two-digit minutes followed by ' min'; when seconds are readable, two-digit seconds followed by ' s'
10 h 23 min
